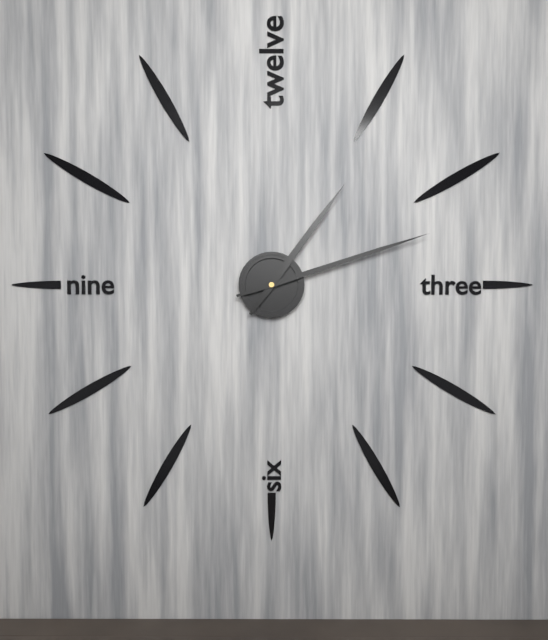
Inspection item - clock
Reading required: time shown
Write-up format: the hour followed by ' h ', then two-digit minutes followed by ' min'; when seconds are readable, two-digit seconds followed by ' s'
1 h 12 min
